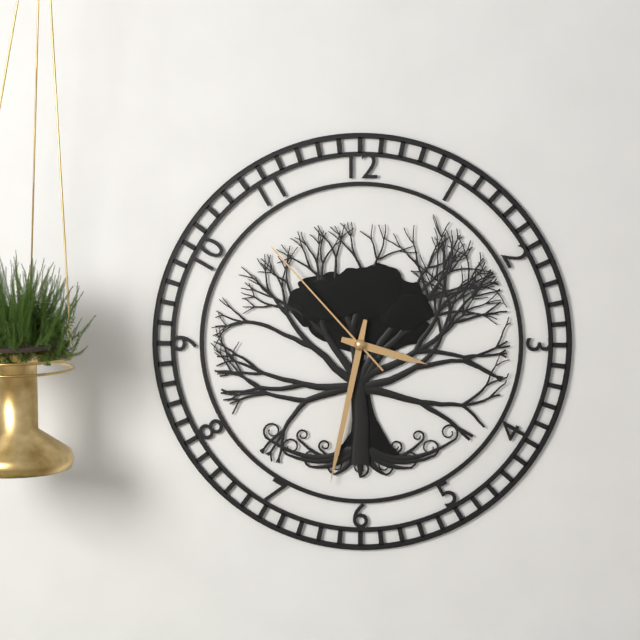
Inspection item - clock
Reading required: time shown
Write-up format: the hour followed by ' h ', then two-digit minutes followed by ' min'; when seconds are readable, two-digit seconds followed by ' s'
3 h 32 min 53 s
